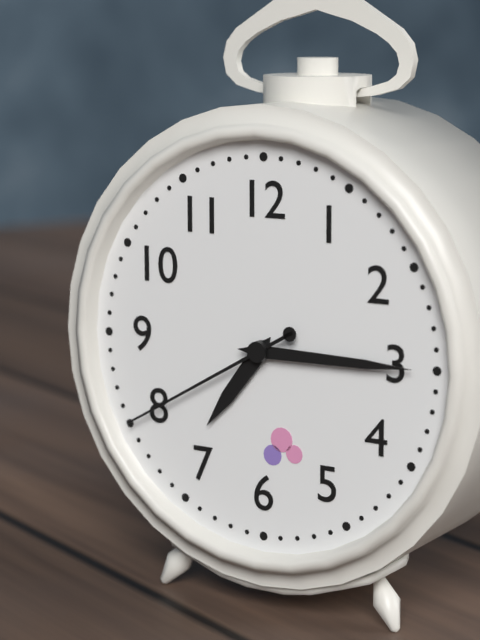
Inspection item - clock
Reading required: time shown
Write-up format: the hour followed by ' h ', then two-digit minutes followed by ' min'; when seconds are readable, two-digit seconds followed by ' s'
7 h 15 min 40 s
